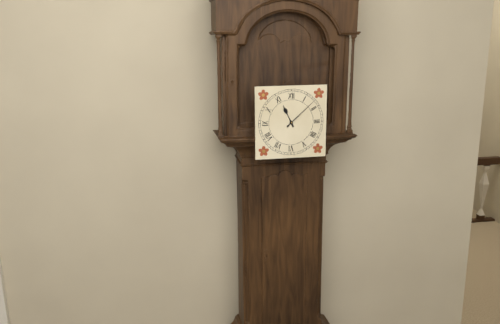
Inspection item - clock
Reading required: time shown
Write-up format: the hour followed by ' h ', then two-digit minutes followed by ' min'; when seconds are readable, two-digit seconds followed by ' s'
11 h 08 min
